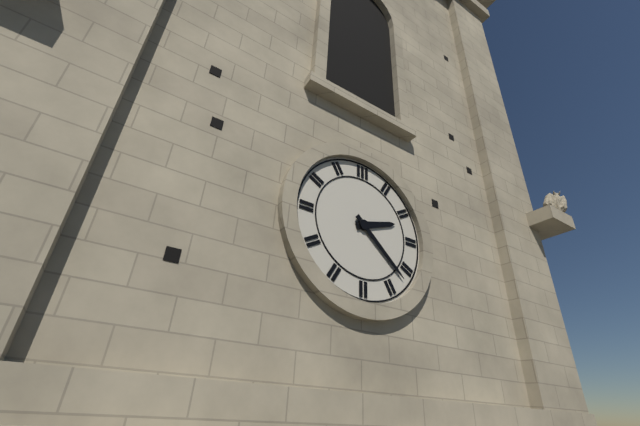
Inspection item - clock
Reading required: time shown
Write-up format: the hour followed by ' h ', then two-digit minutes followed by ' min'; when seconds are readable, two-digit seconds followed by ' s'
2 h 22 min
